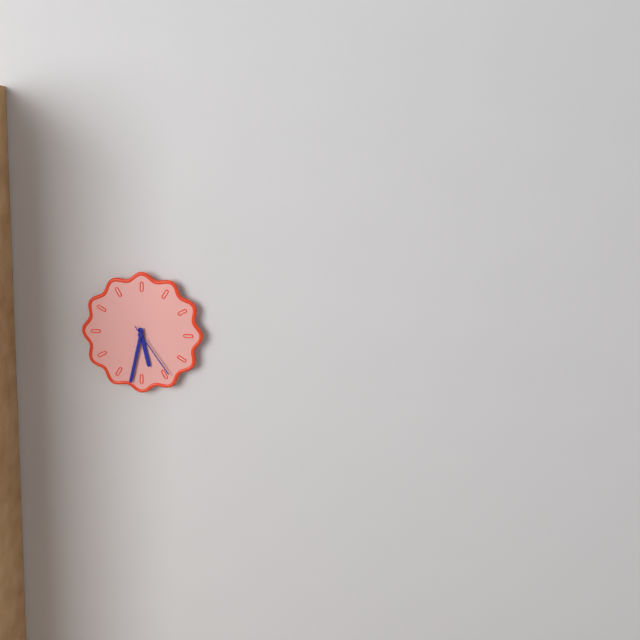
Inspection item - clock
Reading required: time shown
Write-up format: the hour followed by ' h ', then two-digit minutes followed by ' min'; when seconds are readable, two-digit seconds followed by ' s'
5 h 32 min 24 s
